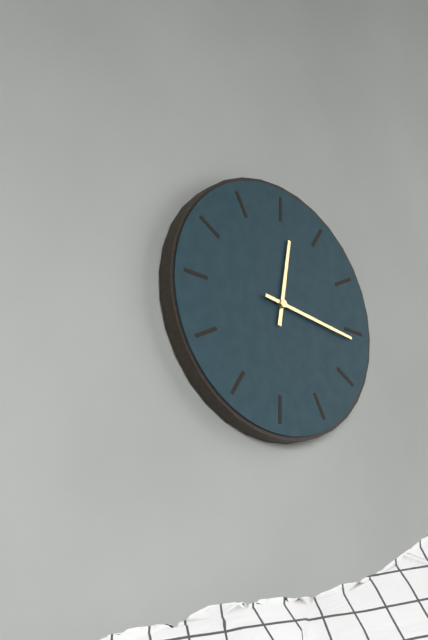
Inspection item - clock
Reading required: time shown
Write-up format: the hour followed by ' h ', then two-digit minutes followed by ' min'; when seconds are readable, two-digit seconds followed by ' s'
12 h 16 min
